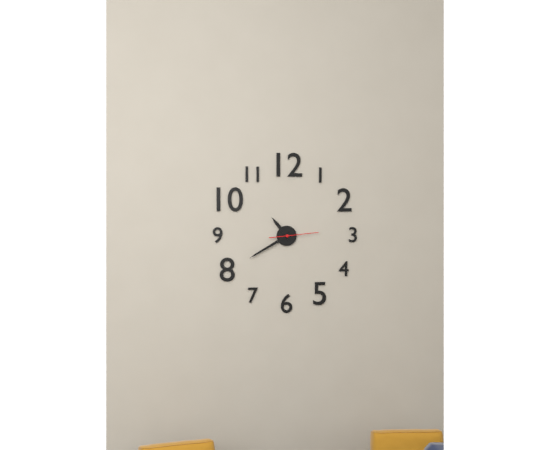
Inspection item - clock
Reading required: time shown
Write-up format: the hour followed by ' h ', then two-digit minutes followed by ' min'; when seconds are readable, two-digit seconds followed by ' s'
10 h 40 min
